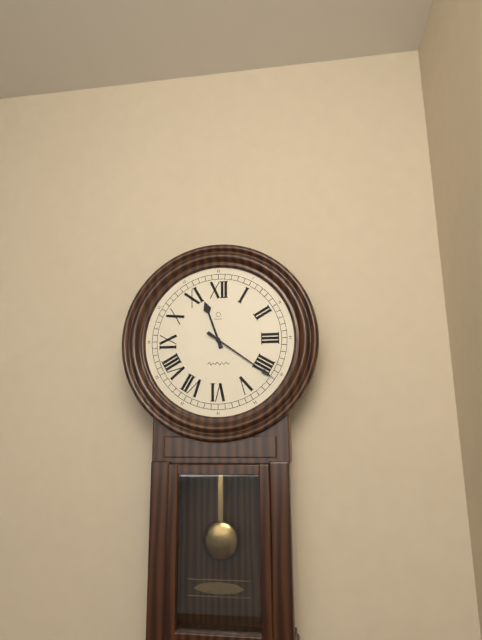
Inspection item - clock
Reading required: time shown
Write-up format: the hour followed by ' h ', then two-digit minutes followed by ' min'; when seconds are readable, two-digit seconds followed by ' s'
11 h 21 min
